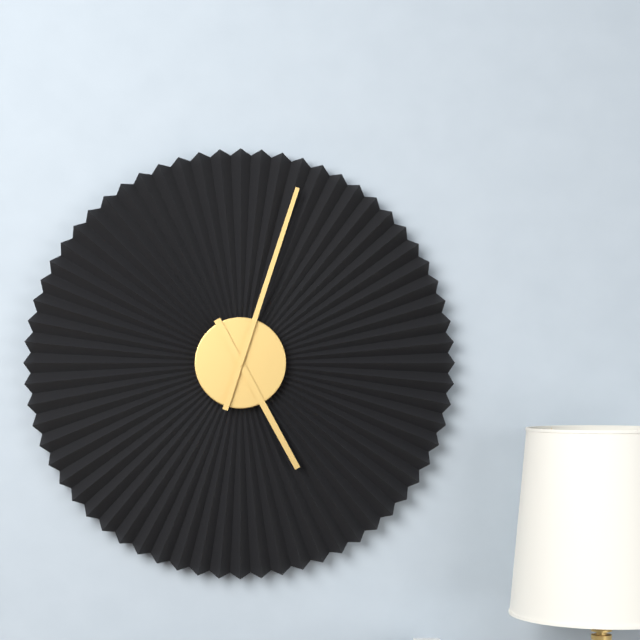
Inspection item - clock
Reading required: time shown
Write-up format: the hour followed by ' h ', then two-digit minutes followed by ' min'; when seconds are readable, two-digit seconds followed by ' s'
5 h 03 min
